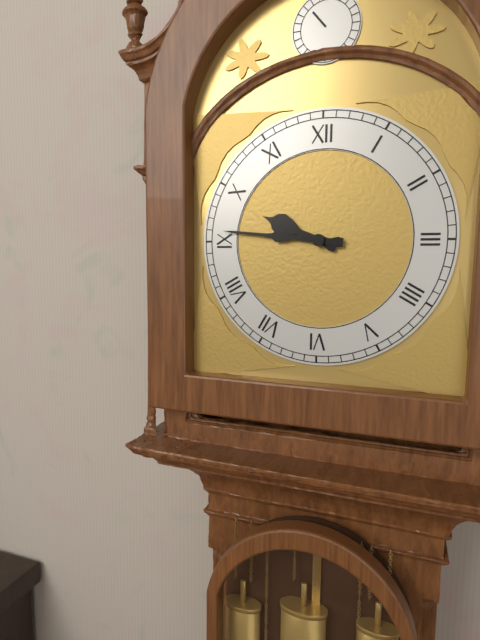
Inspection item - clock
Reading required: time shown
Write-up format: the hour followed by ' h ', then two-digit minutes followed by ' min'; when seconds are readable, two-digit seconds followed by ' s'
9 h 46 min
